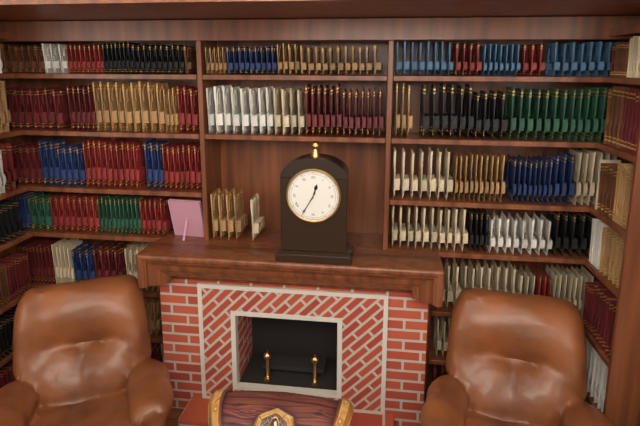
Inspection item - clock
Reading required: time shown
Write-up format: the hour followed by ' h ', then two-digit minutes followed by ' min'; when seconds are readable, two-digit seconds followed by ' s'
12 h 35 min
